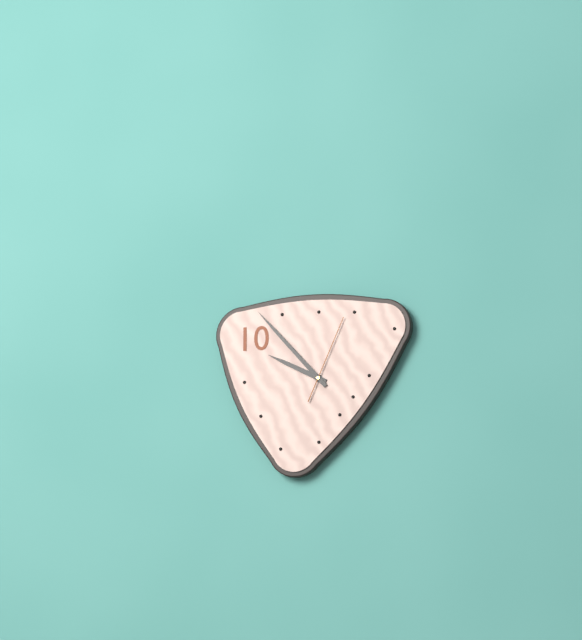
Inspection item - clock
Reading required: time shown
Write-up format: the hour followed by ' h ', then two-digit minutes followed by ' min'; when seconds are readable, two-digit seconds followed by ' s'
9 h 53 min 04 s
